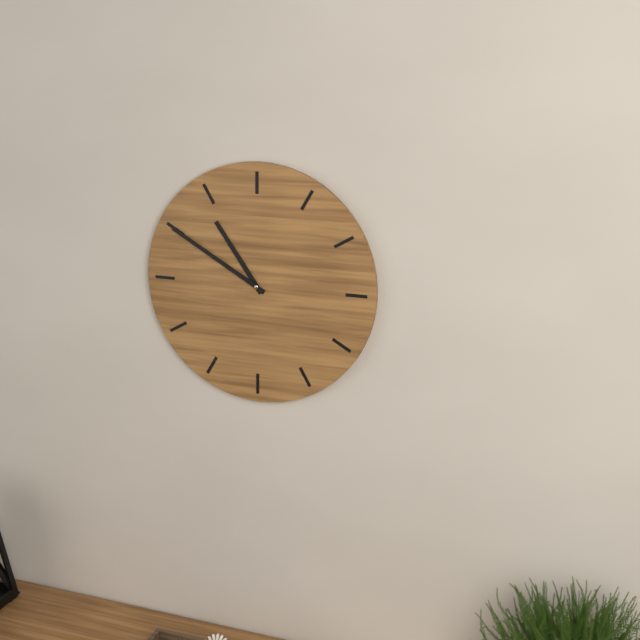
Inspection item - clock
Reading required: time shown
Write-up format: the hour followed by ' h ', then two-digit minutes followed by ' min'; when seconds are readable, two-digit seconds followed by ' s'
10 h 50 min
